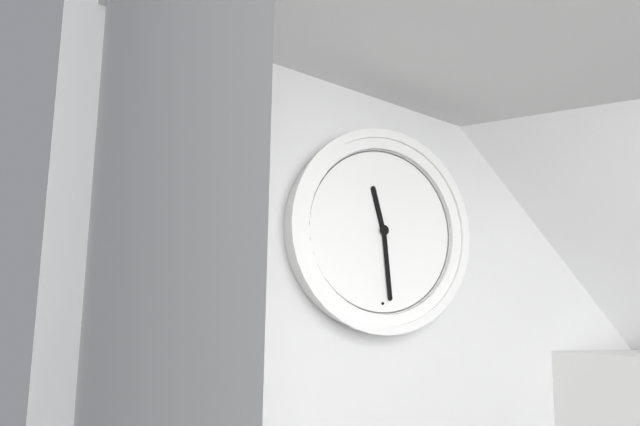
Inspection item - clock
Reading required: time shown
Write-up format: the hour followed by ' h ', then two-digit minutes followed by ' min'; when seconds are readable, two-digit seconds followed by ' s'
11 h 29 min
